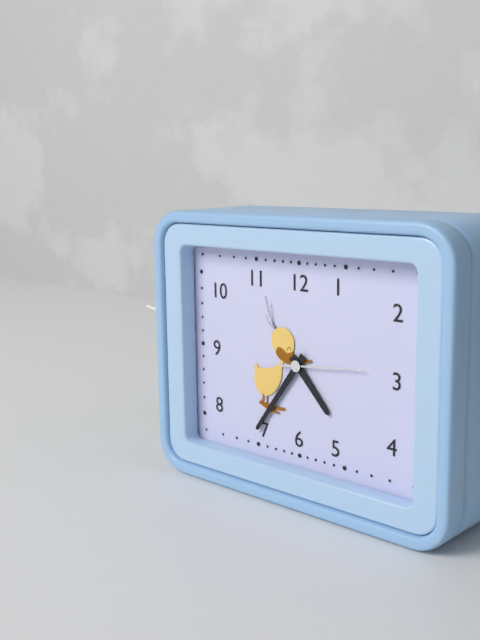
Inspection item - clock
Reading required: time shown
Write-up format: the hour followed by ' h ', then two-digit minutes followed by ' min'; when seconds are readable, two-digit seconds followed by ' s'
4 h 36 min 14 s
